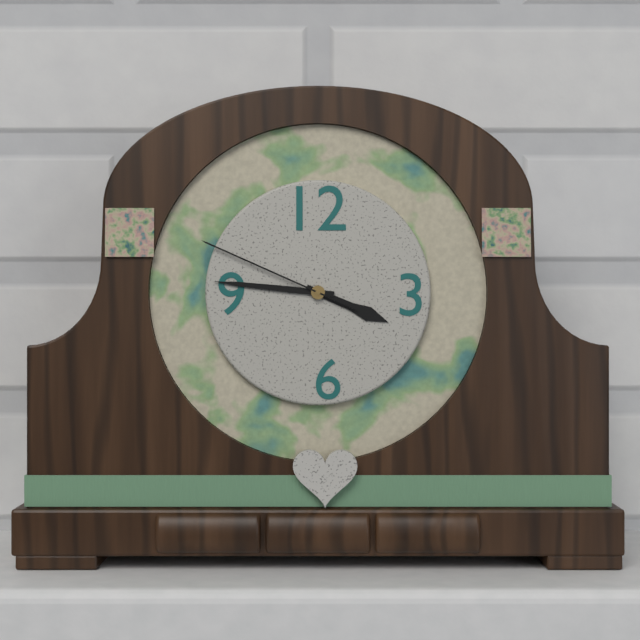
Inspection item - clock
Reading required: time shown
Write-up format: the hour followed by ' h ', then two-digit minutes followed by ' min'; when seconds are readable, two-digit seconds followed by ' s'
3 h 46 min 49 s
